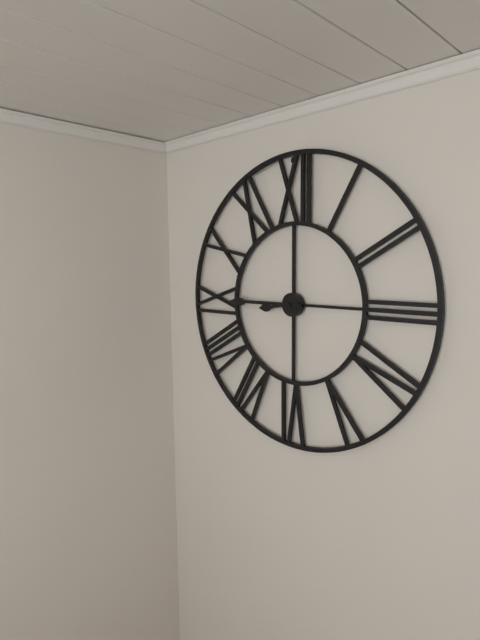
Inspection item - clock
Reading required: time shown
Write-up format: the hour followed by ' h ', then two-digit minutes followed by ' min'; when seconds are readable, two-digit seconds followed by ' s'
8 h 45 min
